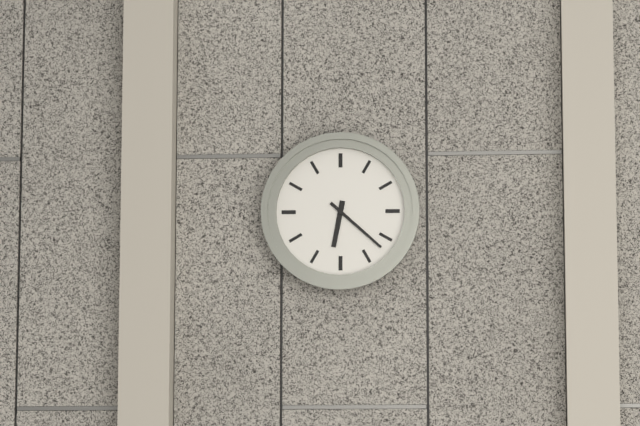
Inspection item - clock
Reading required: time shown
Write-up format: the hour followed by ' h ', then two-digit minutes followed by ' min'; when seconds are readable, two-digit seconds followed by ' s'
6 h 22 min
